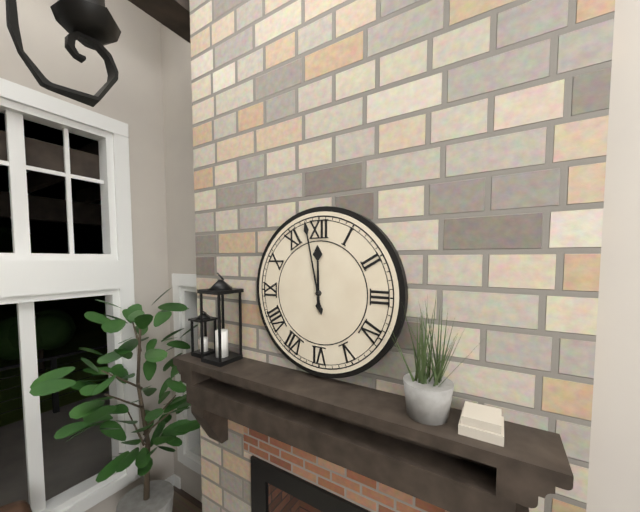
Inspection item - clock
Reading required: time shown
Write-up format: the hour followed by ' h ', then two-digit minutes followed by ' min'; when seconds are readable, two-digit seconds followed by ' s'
11 h 58 min
